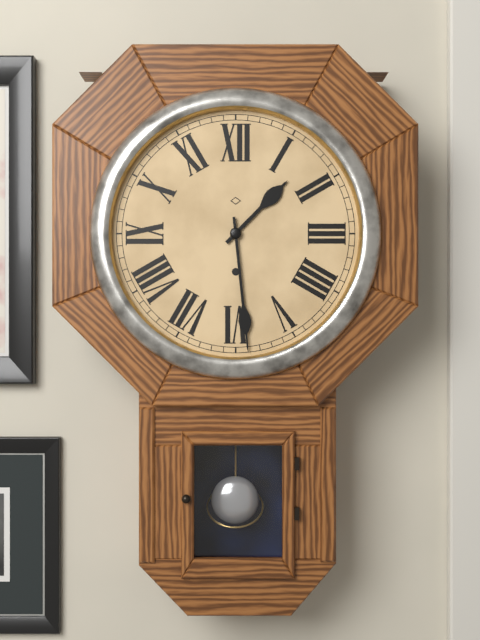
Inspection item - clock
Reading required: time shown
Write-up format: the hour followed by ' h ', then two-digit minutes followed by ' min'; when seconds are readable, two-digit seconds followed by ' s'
1 h 29 min
